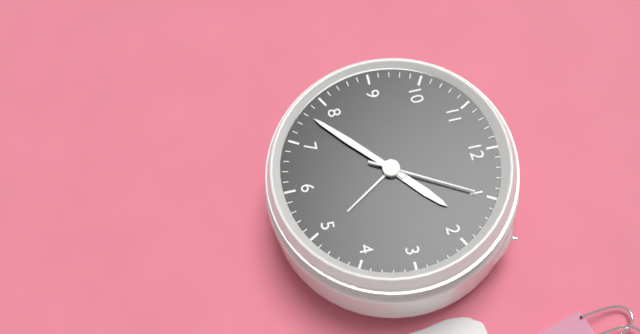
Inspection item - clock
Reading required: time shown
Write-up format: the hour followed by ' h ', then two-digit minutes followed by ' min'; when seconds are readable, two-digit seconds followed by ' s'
1 h 38 min 05 s
